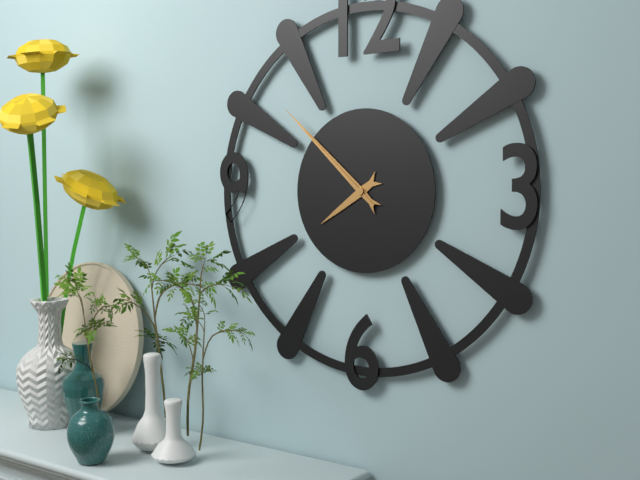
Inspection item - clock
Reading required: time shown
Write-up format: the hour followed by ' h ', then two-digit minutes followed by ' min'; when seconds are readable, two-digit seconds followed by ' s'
7 h 52 min 52 s
